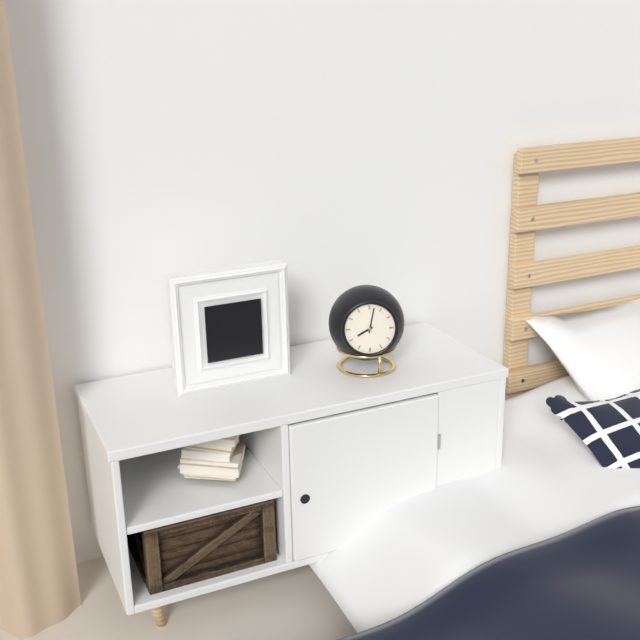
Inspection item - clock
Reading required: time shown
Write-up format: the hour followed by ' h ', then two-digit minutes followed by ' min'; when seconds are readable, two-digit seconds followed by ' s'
8 h 02 min
